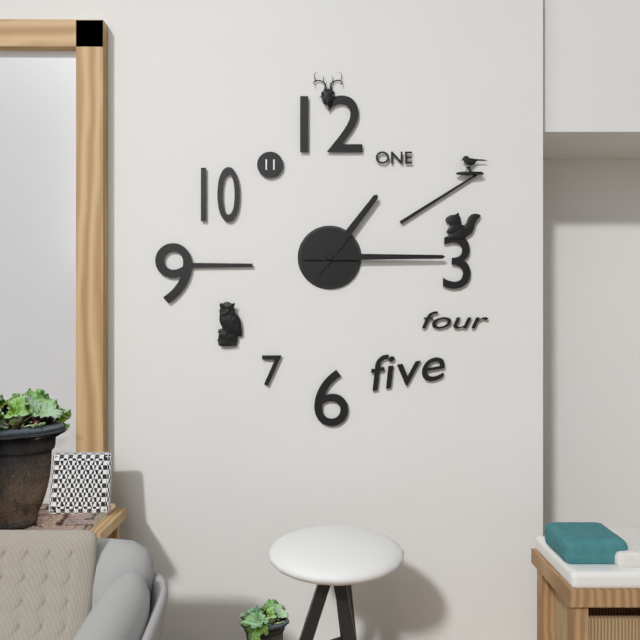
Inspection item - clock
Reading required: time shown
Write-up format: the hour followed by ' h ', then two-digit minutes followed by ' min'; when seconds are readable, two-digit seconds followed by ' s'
1 h 15 min
